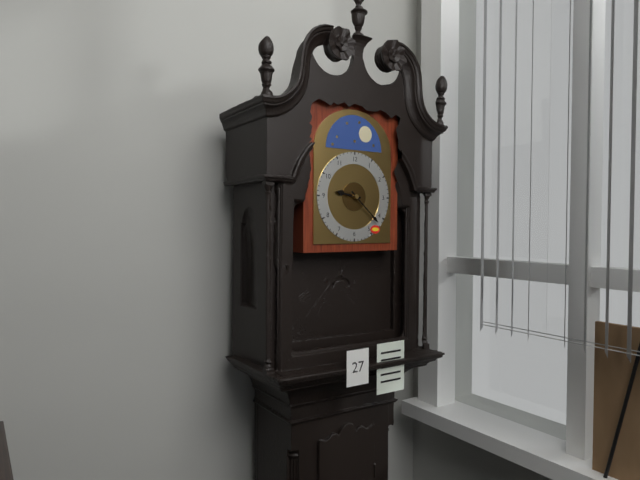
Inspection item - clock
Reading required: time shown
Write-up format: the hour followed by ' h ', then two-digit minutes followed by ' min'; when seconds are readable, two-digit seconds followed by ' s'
9 h 22 min
